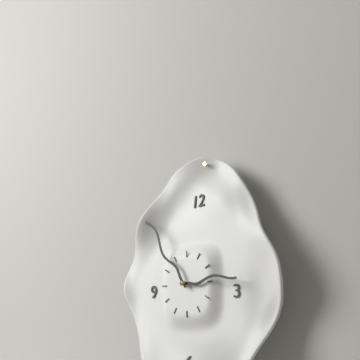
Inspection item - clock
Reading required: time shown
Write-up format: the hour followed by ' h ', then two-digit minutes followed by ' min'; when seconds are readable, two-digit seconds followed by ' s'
2 h 54 min
